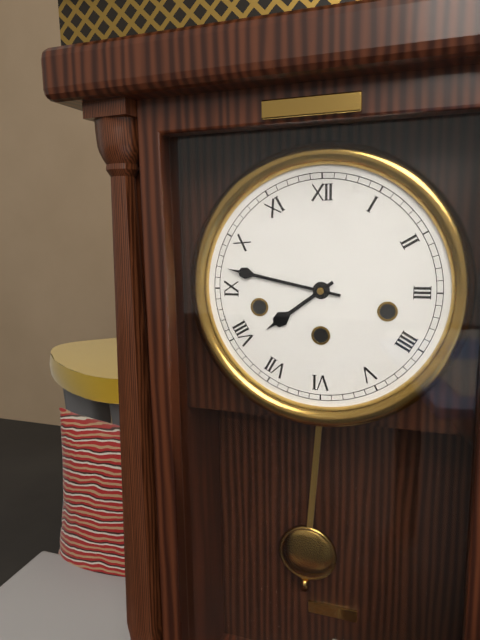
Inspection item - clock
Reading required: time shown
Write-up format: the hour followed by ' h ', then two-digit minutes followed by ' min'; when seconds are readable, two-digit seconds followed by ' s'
7 h 47 min
